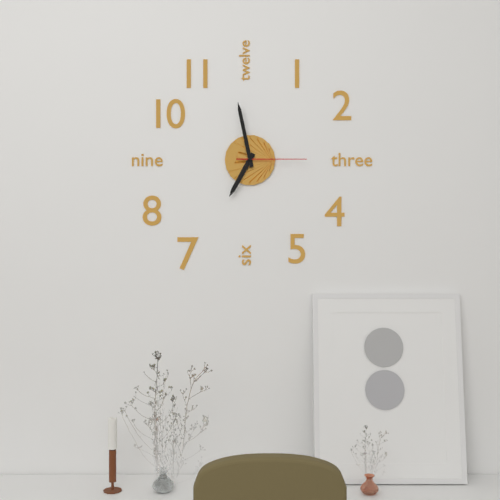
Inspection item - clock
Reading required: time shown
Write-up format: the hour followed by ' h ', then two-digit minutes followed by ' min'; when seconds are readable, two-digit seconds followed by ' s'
6 h 58 min 15 s
